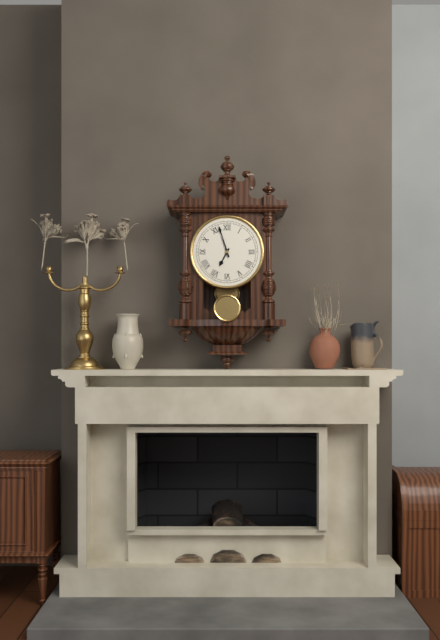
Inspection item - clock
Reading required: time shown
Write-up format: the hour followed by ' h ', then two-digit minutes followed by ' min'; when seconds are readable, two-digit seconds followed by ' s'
6 h 57 min
